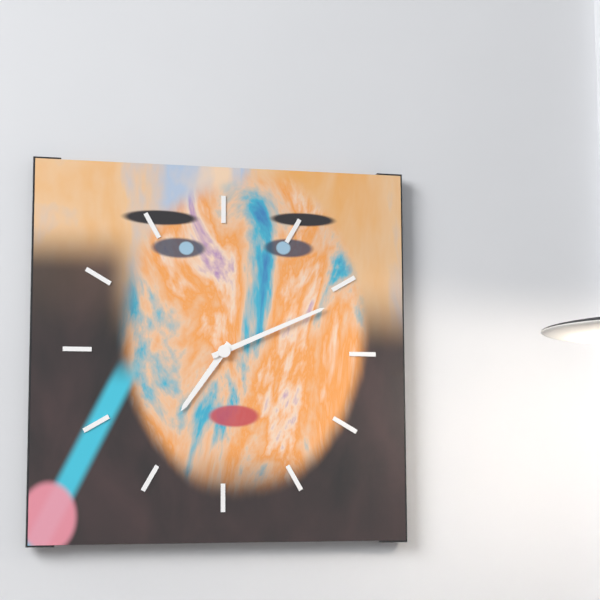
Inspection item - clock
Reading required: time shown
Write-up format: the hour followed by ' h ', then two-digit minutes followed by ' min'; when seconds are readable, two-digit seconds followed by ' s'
7 h 11 min
